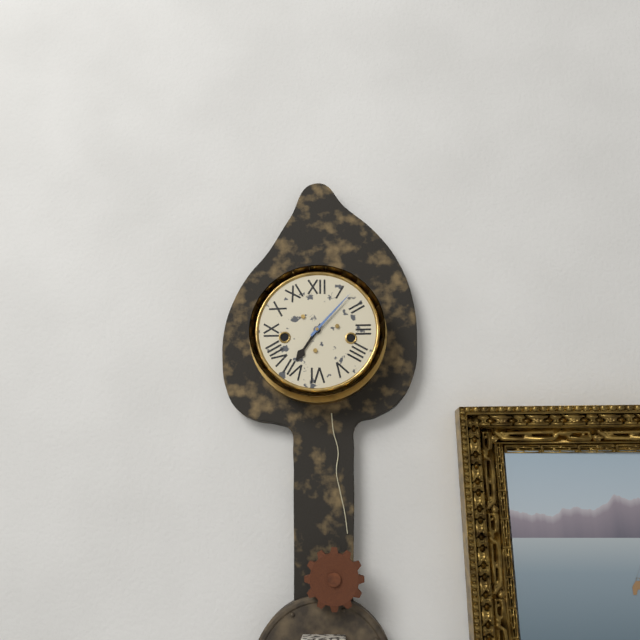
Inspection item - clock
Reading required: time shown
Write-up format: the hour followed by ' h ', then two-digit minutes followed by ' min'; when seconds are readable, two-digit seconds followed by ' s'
7 h 07 min
